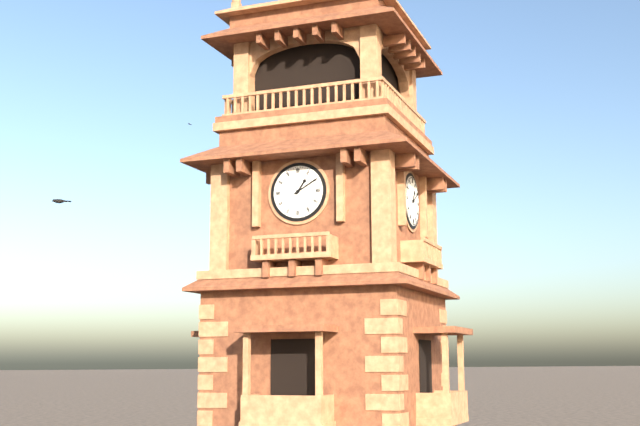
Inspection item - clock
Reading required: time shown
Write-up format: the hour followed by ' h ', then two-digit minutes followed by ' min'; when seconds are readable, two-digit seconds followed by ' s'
1 h 10 min
